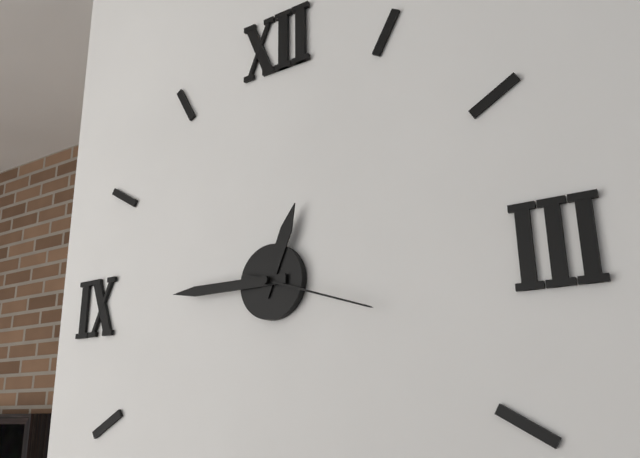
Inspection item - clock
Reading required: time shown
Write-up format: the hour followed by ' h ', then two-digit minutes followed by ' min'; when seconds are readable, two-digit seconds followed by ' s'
12 h 45 min 18 s
